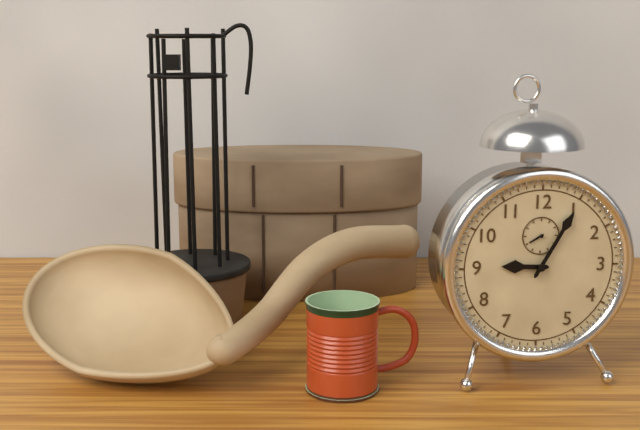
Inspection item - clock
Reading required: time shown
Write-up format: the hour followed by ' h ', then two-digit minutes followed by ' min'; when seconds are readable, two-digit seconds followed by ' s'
9 h 05 min
